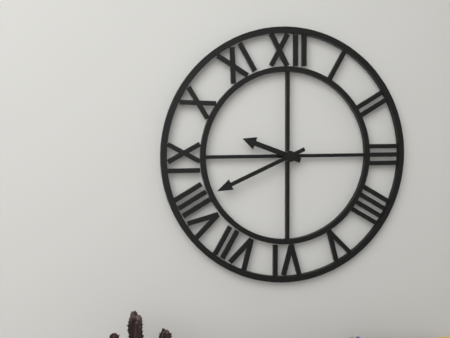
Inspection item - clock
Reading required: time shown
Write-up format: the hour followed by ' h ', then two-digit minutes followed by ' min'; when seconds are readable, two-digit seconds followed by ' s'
9 h 41 min
